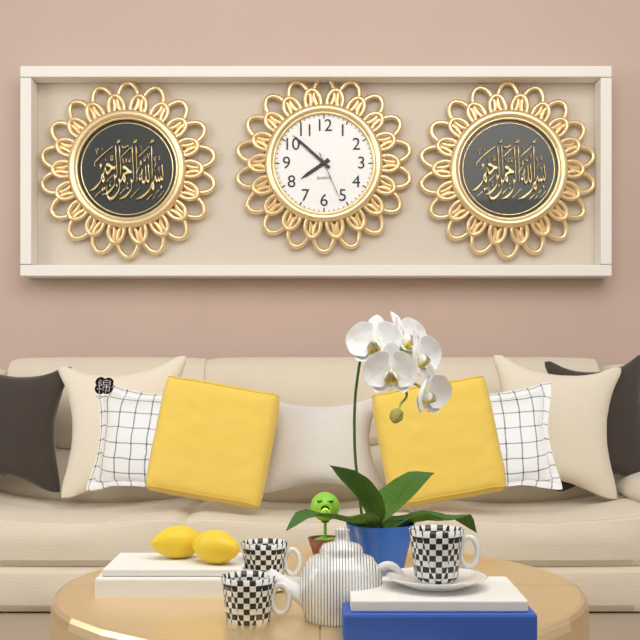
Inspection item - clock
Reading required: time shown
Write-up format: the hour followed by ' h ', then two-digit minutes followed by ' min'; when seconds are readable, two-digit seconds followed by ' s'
7 h 52 min 26 s
